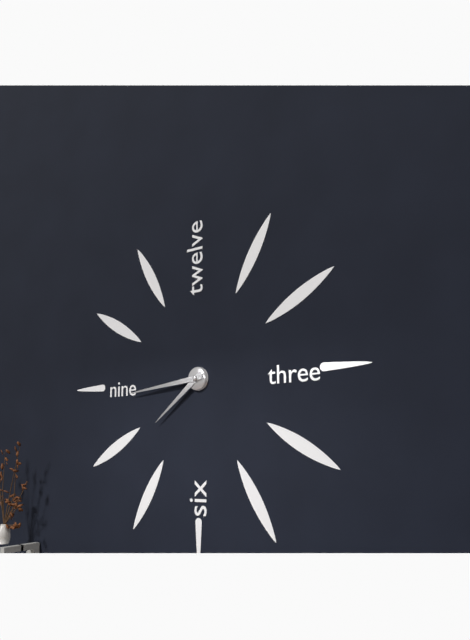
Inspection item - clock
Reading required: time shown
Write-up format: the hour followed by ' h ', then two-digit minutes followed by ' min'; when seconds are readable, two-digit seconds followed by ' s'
7 h 44 min
